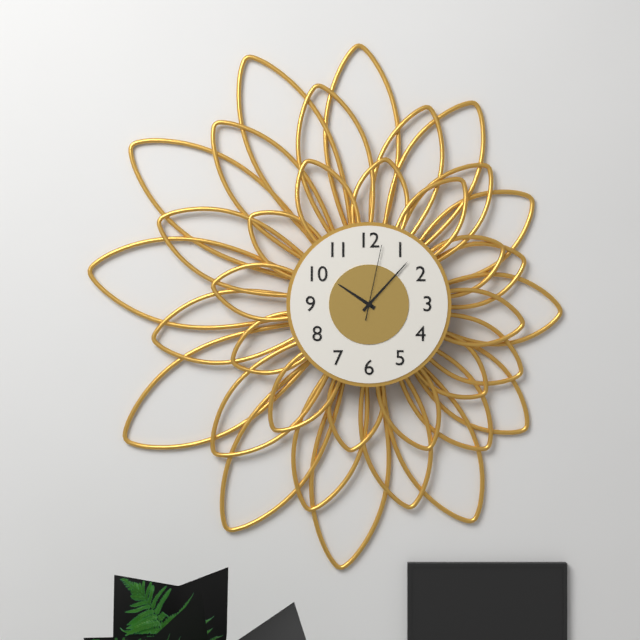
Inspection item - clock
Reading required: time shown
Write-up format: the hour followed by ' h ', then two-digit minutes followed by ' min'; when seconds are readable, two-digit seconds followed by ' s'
10 h 07 min 02 s
